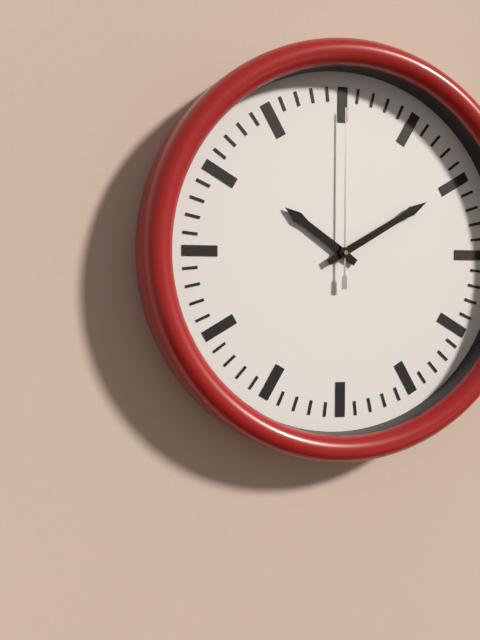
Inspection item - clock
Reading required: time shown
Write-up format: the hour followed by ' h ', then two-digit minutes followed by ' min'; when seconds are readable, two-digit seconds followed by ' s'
10 h 10 min 00 s
